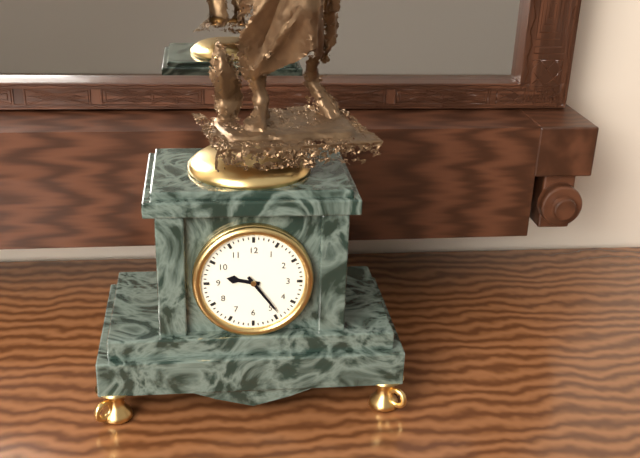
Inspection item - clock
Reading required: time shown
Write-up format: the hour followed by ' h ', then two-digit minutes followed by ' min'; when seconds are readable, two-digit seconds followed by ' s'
9 h 24 min
